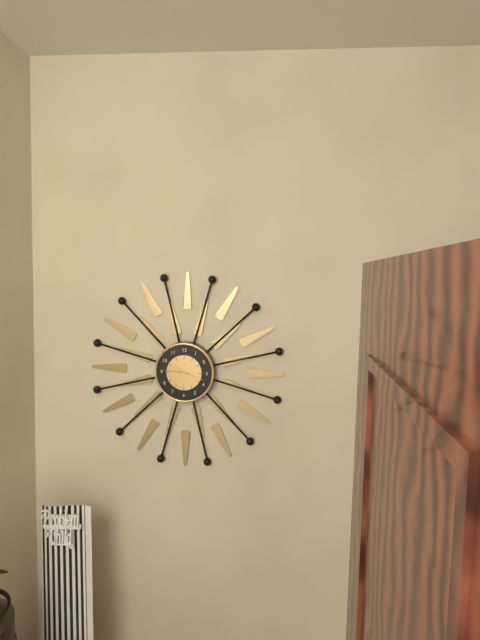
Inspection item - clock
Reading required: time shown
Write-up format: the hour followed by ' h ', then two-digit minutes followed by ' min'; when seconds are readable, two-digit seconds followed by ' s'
10 h 18 min
